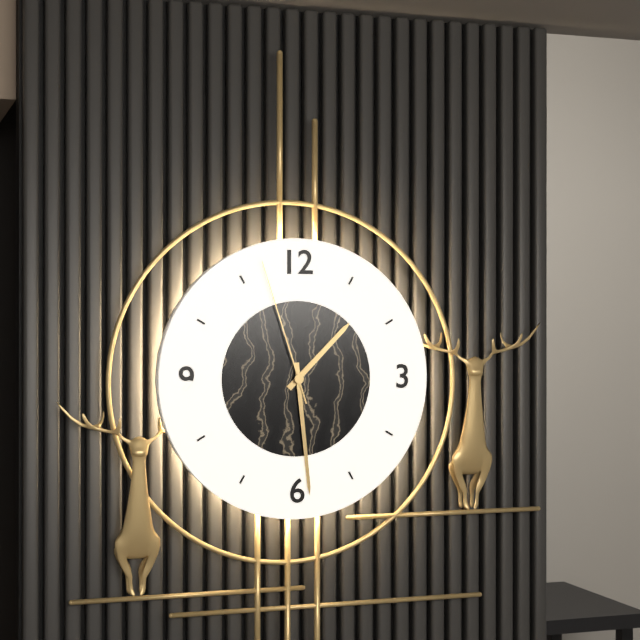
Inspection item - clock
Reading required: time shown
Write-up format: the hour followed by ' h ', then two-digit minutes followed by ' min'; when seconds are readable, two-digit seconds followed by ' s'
1 h 29 min 57 s
